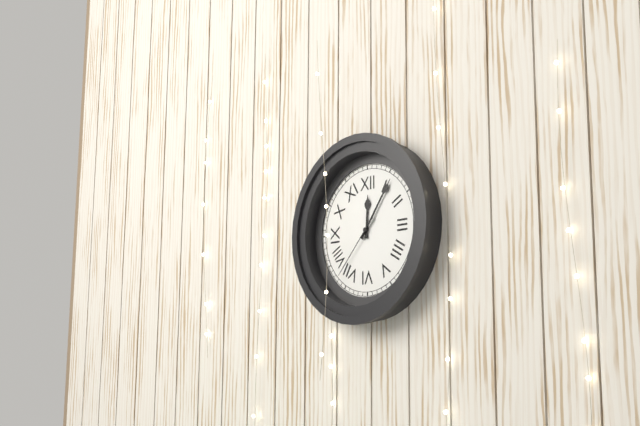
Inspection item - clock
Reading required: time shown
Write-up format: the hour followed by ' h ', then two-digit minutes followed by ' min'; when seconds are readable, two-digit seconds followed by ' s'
12 h 06 min 37 s
